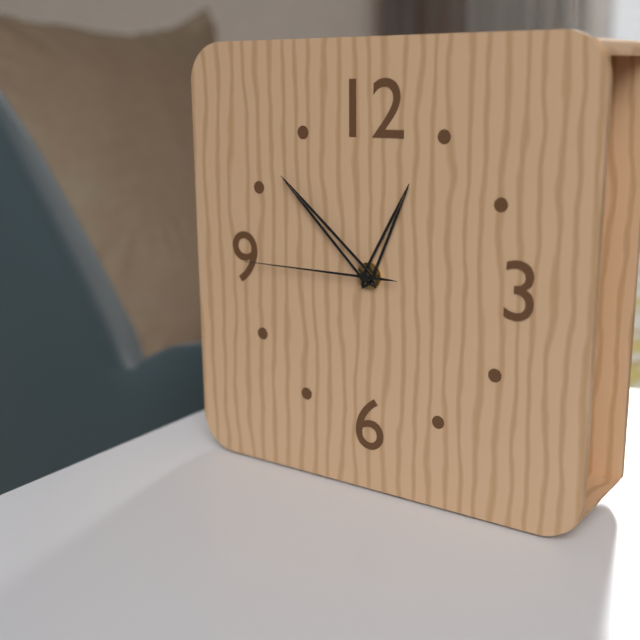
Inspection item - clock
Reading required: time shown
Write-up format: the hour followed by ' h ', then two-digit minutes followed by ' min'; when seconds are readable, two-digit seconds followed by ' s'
12 h 52 min 45 s
